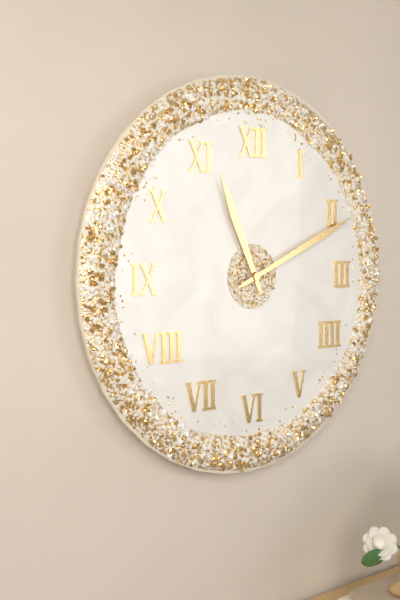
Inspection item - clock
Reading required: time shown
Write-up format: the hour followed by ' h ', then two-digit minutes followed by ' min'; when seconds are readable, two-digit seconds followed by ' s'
11 h 11 min
